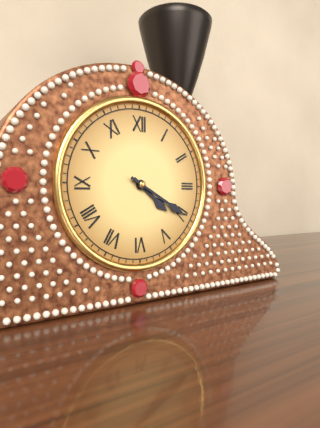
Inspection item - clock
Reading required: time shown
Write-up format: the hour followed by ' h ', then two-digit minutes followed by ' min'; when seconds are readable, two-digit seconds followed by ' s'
4 h 20 min
